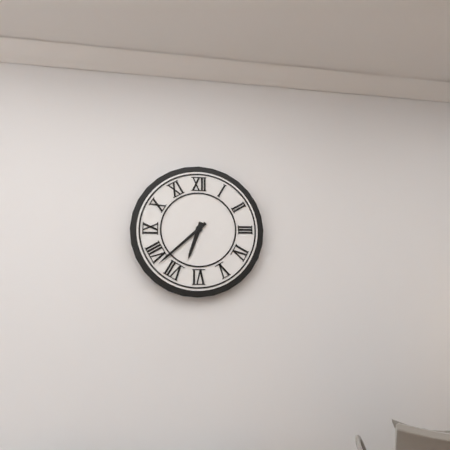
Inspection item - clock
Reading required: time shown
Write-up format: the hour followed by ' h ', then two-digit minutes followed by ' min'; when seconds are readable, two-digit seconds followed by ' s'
6 h 38 min
